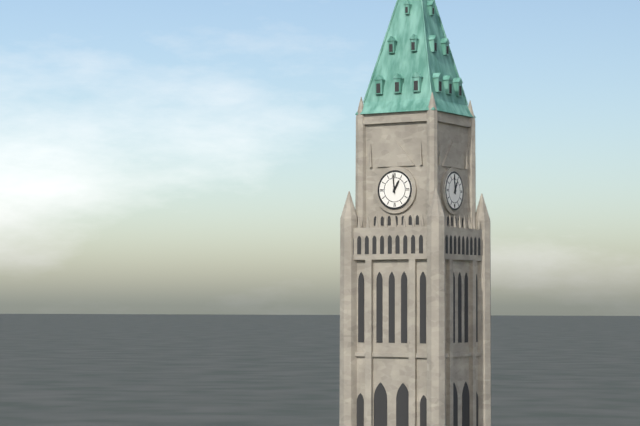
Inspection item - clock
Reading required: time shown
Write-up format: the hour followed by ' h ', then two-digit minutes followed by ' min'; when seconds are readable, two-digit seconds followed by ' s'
12 h 59 min
